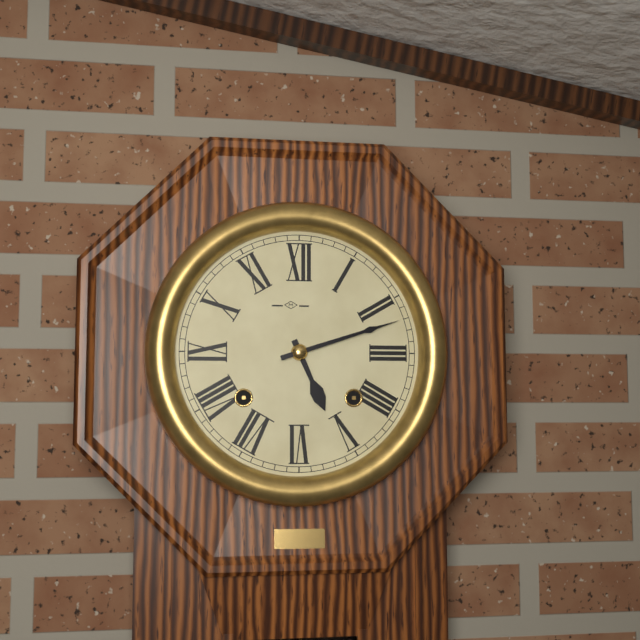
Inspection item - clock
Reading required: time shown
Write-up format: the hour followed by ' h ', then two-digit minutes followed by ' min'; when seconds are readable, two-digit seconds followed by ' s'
5 h 12 min
